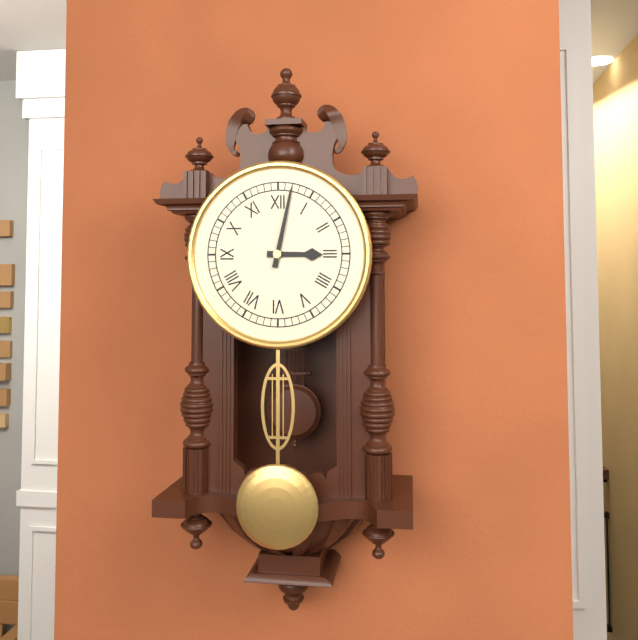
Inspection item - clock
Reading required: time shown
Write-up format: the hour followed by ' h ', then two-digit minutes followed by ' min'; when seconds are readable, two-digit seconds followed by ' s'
3 h 02 min
